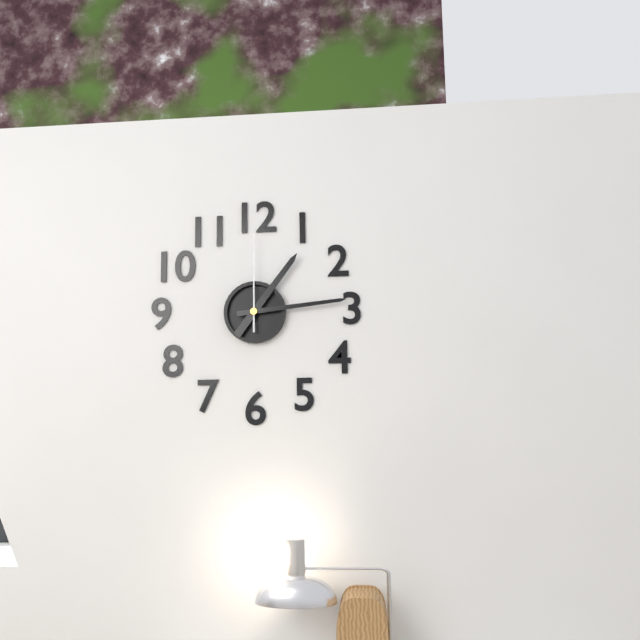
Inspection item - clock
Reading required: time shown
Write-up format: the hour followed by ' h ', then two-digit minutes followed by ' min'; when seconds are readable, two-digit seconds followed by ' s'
1 h 14 min 00 s
